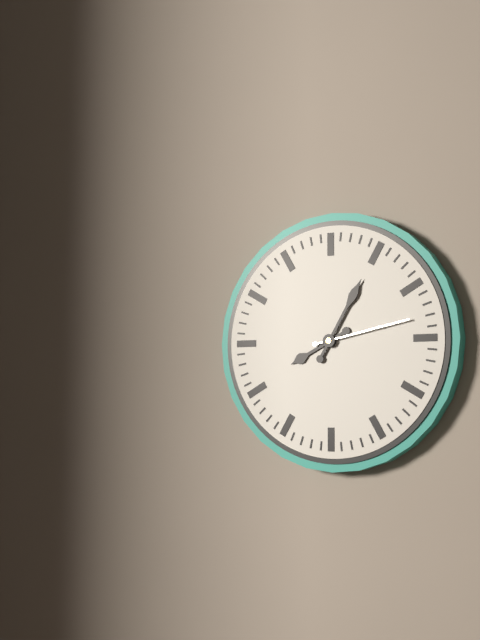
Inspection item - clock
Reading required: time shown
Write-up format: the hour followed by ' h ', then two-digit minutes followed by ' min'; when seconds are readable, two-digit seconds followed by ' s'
8 h 05 min 13 s
